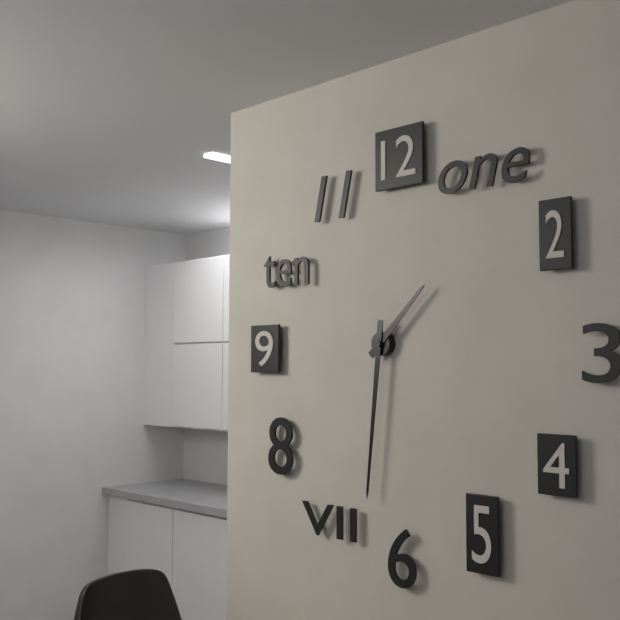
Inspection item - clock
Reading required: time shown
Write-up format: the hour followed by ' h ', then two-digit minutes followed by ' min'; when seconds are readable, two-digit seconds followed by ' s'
1 h 31 min
